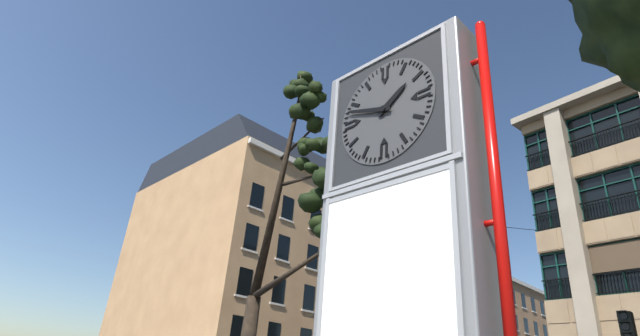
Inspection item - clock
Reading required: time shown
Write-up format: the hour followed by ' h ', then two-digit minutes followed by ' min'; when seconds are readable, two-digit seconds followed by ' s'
1 h 48 min
